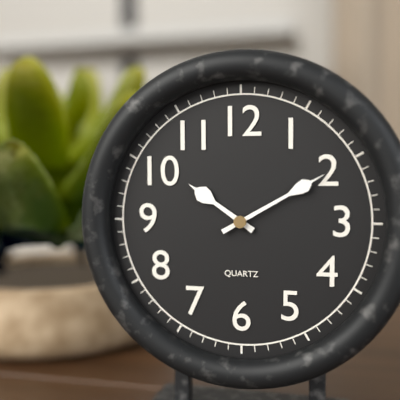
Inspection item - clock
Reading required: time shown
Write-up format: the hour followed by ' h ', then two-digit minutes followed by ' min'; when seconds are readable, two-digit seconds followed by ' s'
10 h 10 min
